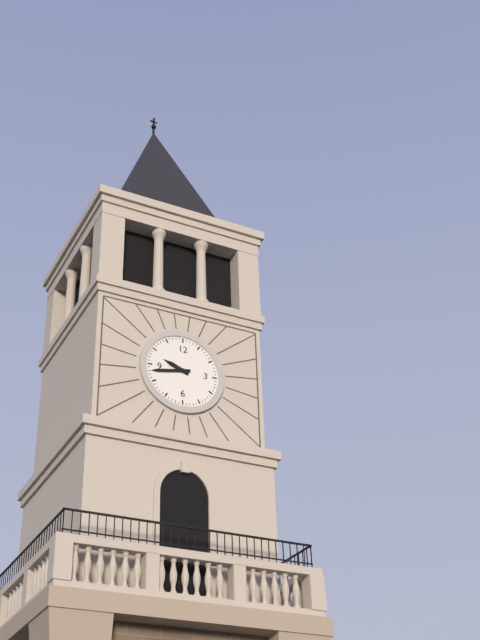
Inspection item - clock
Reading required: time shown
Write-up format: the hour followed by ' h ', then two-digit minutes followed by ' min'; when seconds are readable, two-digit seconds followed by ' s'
9 h 43 min
